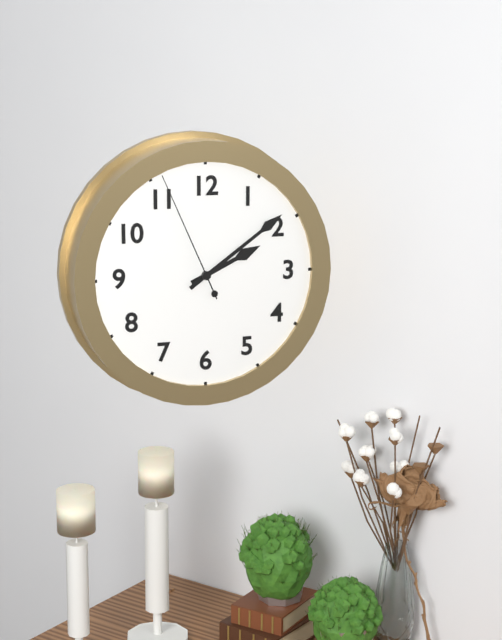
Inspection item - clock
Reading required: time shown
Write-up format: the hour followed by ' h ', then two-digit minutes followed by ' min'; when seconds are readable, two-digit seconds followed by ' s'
2 h 09 min 56 s
